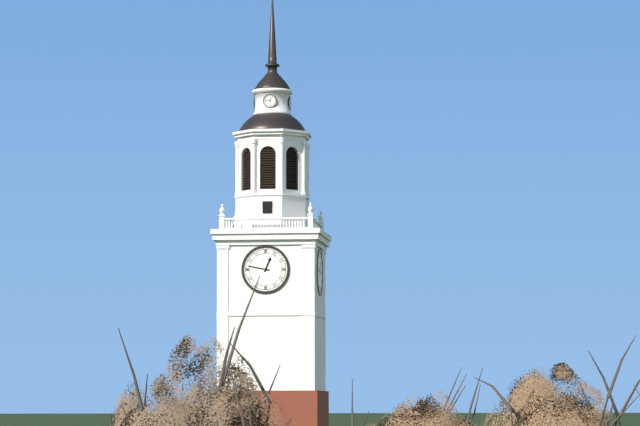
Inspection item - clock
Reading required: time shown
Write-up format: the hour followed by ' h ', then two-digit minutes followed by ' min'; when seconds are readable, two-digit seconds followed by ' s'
12 h 47 min
